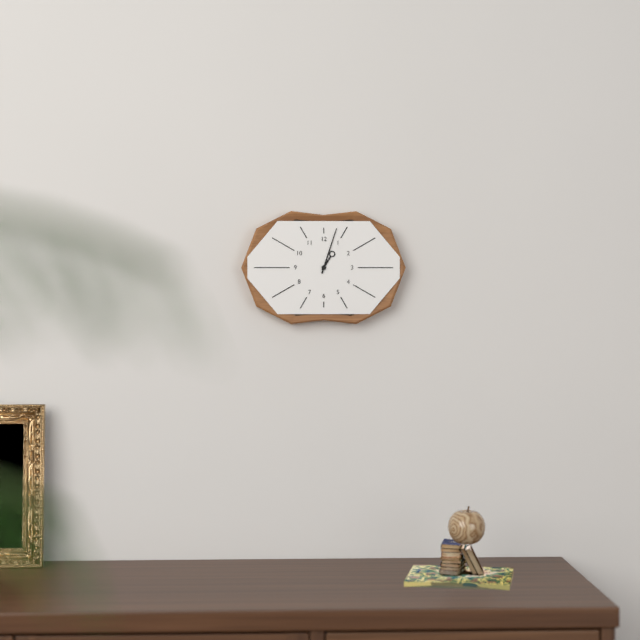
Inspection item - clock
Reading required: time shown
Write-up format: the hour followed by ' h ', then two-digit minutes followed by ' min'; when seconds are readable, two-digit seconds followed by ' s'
1 h 03 min
